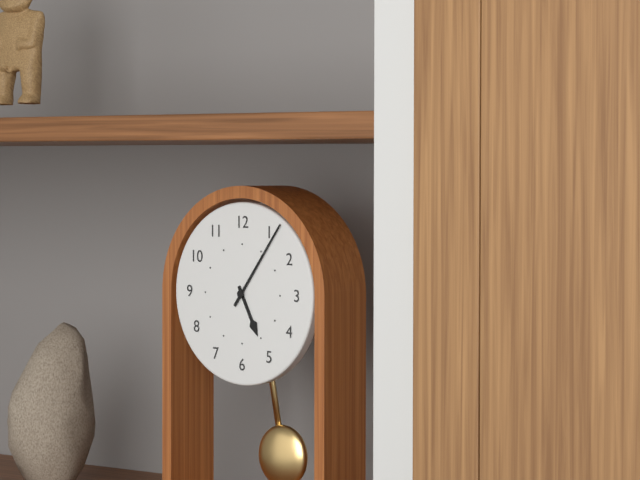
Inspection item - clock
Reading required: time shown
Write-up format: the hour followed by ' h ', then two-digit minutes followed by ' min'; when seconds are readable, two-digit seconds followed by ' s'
5 h 06 min
